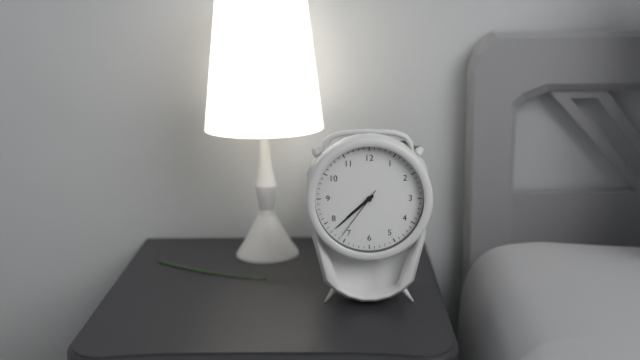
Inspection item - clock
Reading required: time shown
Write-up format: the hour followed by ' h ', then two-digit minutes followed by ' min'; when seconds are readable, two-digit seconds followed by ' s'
7 h 38 min 36 s
